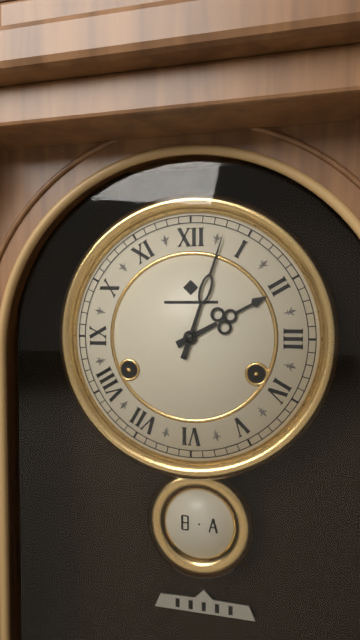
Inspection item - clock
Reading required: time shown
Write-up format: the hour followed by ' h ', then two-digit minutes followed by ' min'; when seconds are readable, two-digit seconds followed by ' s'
2 h 03 min
